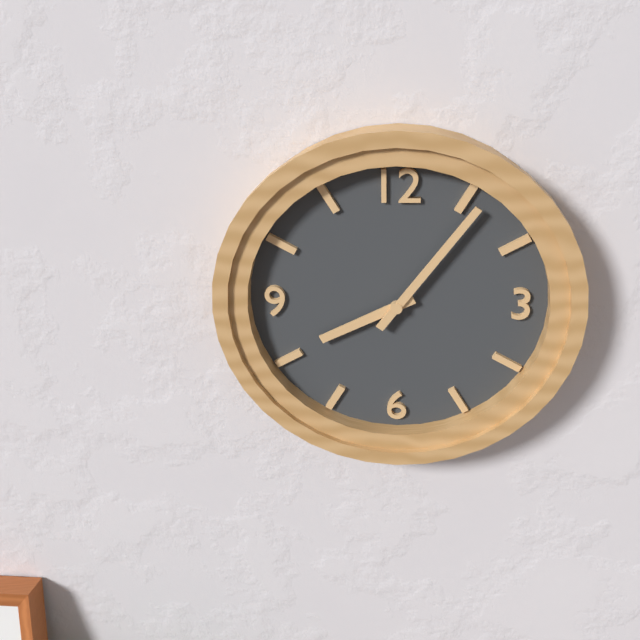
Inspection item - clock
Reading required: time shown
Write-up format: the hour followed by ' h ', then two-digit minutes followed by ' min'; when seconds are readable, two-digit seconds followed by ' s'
8 h 06 min
